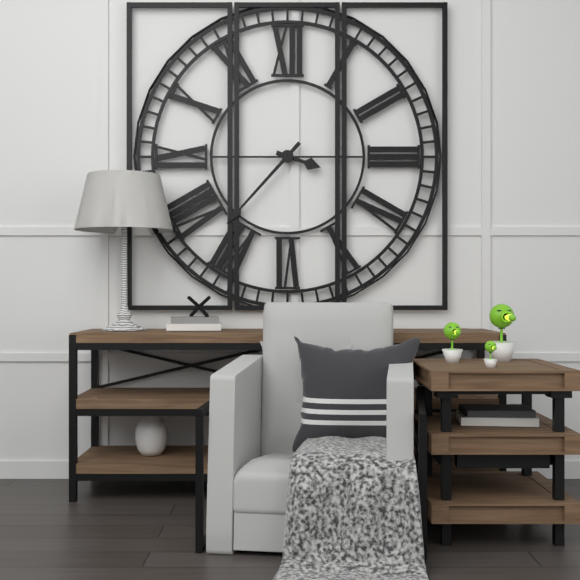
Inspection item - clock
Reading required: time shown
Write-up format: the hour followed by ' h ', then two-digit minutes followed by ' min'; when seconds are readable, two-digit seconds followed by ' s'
3 h 37 min
